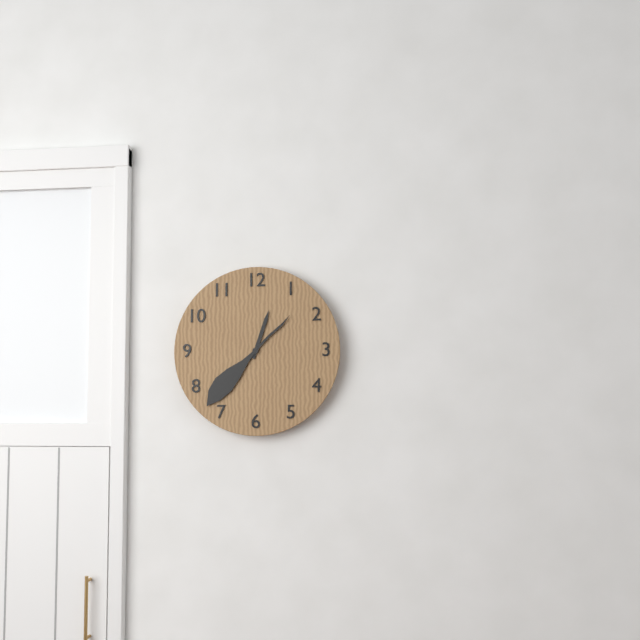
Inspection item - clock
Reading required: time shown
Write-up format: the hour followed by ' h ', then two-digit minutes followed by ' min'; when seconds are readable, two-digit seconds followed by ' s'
12 h 37 min
